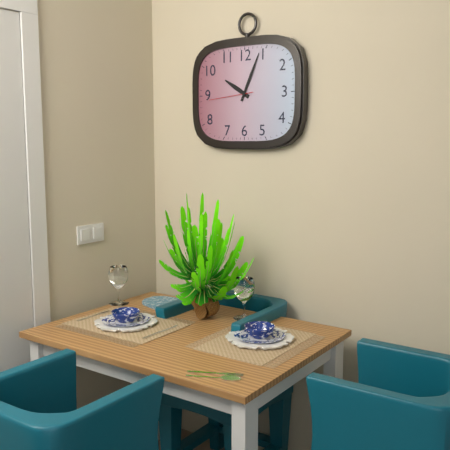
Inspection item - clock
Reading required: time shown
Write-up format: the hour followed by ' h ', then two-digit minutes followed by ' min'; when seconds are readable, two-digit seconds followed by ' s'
10 h 04 min
